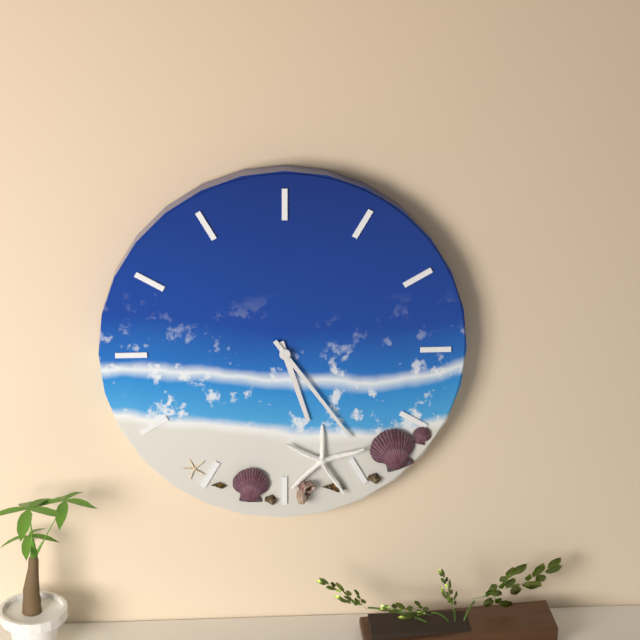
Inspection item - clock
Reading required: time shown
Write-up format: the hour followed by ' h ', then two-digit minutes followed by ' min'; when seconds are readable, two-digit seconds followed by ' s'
5 h 24 min
